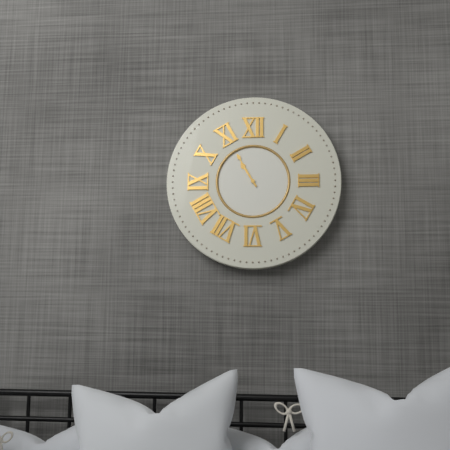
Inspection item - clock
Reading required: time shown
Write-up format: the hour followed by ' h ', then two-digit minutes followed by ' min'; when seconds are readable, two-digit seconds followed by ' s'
10 h 55 min
